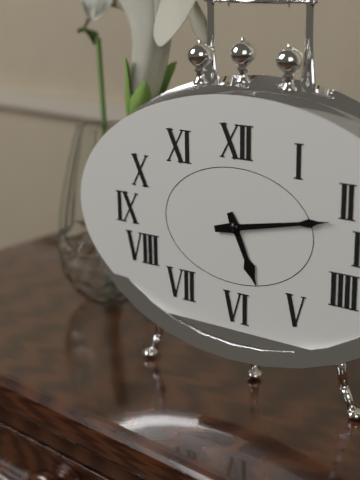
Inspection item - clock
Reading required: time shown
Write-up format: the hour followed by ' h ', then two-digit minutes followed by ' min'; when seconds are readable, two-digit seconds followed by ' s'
5 h 13 min
